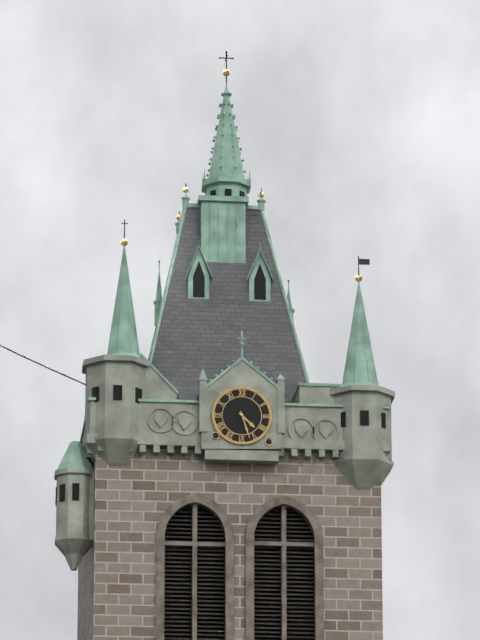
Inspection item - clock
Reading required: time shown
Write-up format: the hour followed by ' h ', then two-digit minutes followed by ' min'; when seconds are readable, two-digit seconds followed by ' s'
4 h 27 min
